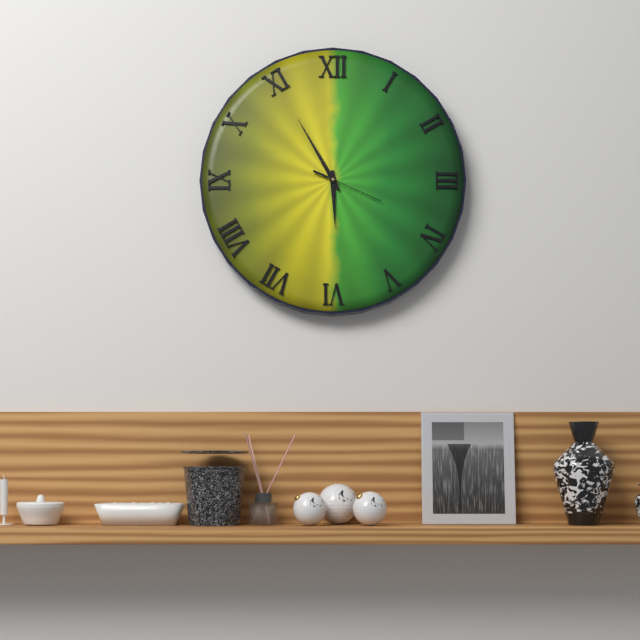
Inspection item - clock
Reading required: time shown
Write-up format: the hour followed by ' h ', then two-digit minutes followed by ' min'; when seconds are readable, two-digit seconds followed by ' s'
5 h 55 min 19 s
